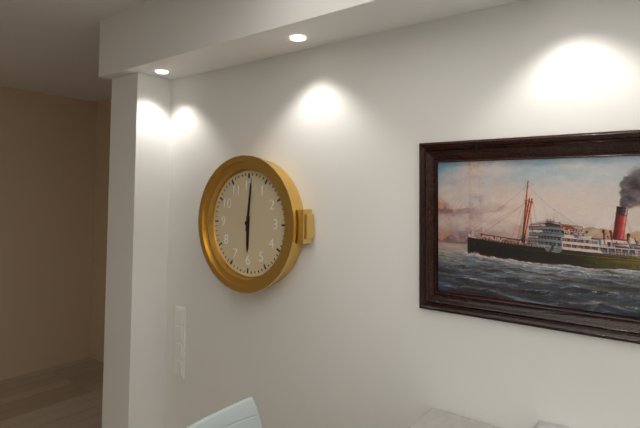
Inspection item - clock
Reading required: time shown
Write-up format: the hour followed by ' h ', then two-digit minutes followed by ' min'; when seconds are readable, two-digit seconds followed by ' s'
6 h 01 min
